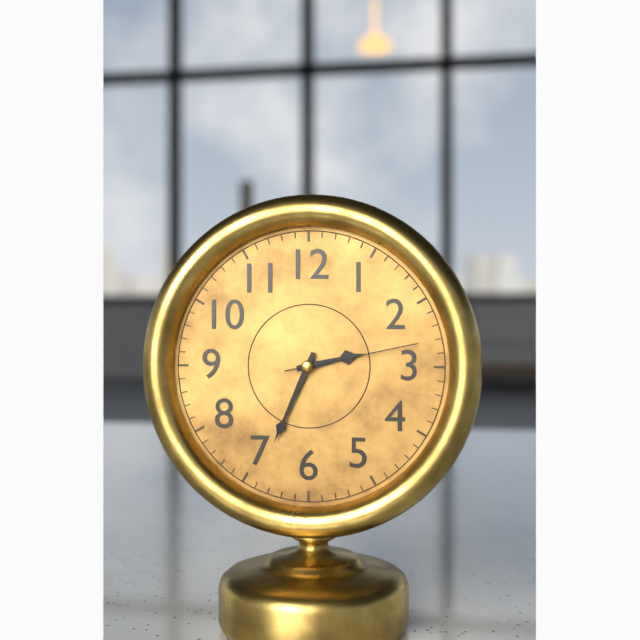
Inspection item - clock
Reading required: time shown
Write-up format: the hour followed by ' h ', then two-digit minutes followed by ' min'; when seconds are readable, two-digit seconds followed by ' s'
2 h 34 min 13 s
